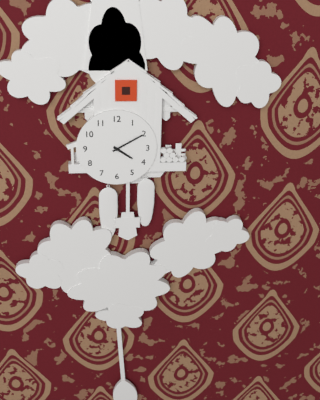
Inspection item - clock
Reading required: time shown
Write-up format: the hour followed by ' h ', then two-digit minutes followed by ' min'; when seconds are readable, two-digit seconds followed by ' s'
4 h 10 min
